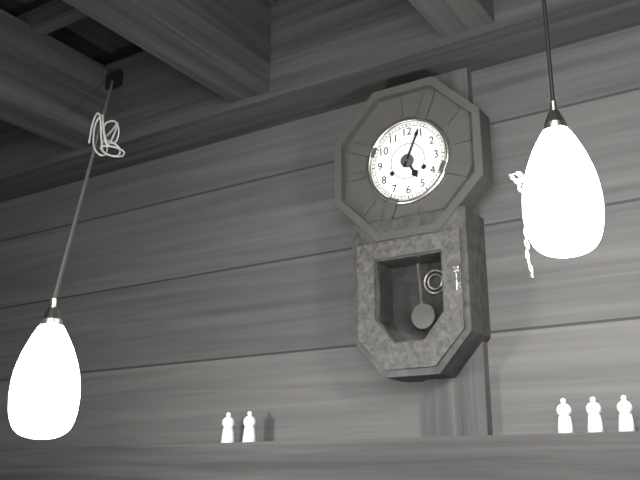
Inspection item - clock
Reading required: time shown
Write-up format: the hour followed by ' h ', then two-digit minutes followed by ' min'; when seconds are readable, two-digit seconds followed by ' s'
5 h 04 min
